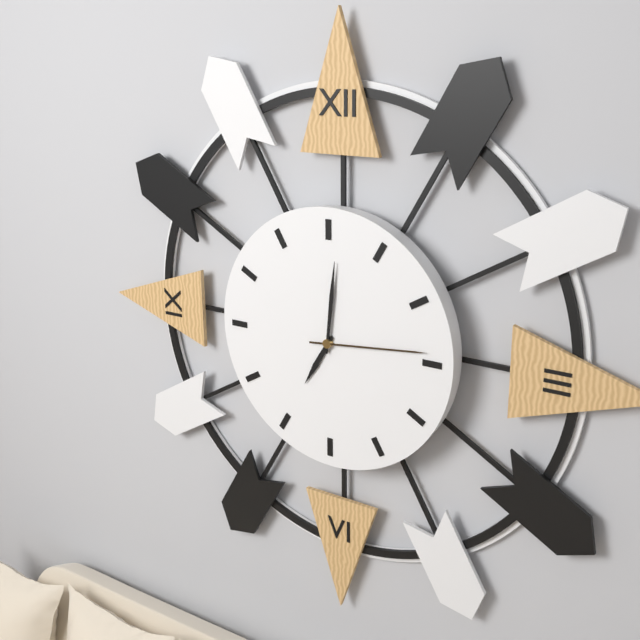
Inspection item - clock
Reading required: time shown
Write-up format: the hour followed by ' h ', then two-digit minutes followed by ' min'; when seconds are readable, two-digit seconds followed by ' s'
7 h 01 min 14 s
